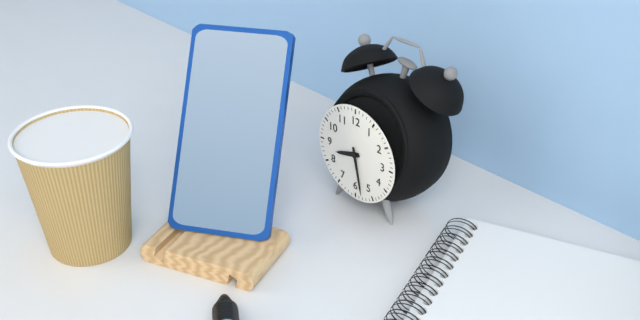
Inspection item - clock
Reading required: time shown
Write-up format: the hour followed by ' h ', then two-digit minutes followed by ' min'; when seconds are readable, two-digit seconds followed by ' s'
8 h 28 min
